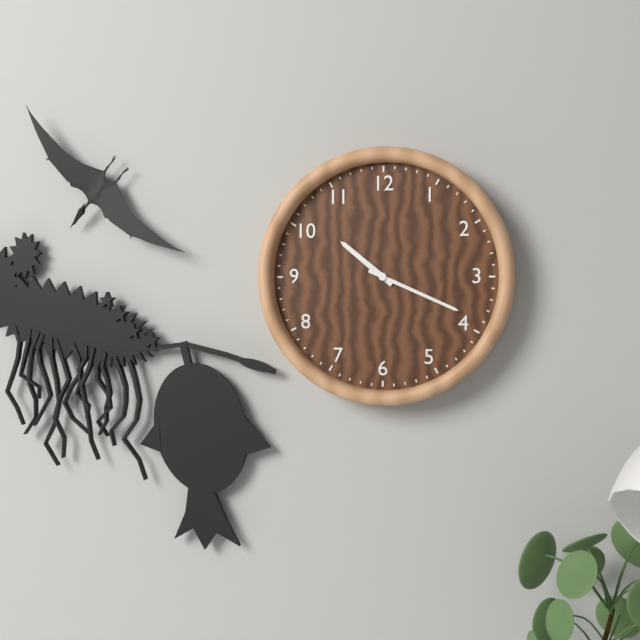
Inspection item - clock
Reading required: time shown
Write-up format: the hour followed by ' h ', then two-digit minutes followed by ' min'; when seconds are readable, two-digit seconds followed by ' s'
10 h 19 min
